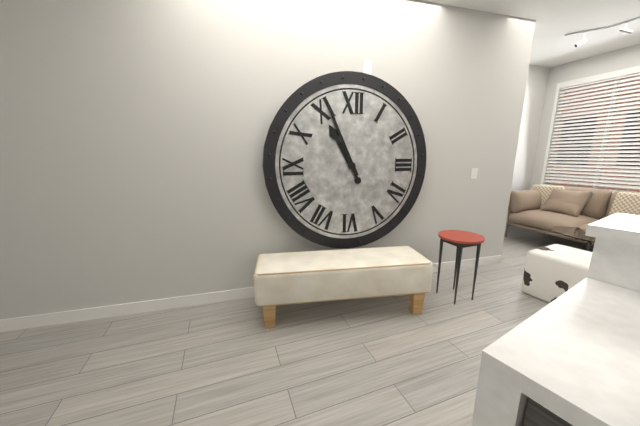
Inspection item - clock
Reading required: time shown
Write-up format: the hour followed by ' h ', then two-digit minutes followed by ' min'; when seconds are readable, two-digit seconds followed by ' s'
10 h 56 min
